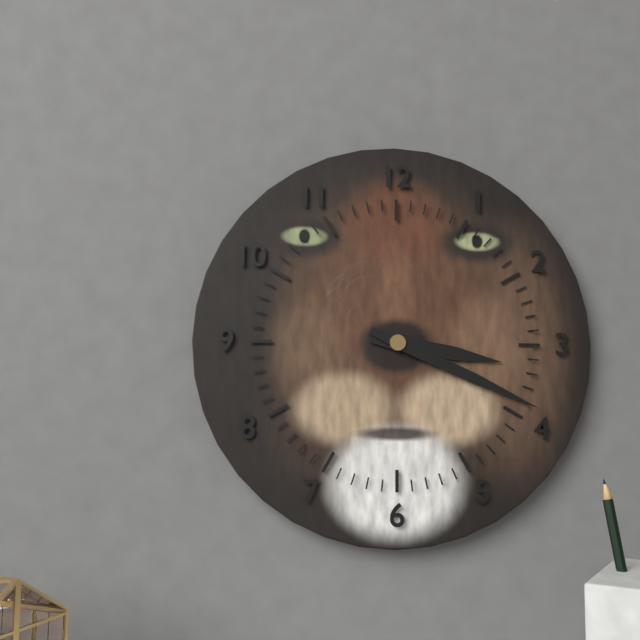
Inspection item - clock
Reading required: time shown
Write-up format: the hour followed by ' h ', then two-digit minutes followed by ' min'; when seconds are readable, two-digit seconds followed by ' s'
3 h 19 min
